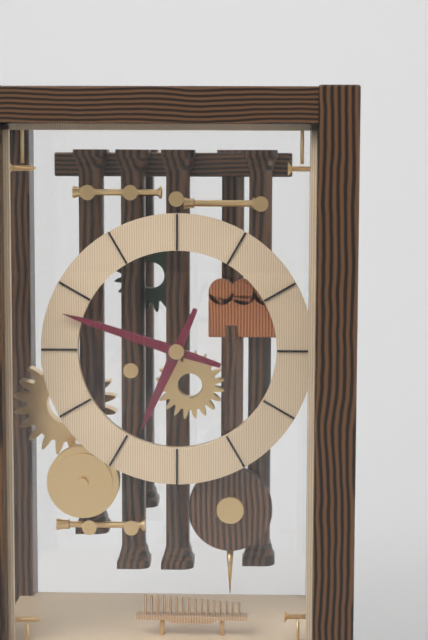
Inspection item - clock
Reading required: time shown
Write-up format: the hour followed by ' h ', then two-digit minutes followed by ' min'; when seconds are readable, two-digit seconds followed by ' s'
6 h 48 min
